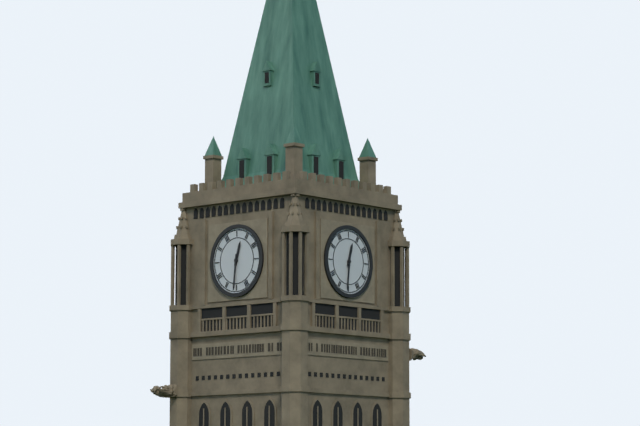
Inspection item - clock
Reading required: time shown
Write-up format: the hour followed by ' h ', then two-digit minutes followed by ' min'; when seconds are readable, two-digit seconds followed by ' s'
12 h 31 min
